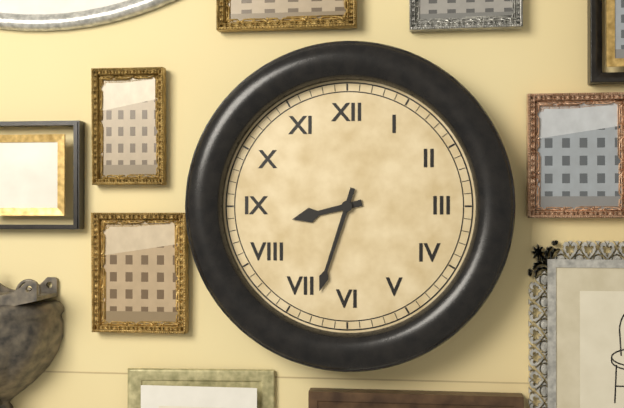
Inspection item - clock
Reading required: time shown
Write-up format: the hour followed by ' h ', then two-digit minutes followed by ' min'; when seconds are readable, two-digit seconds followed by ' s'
8 h 33 min
